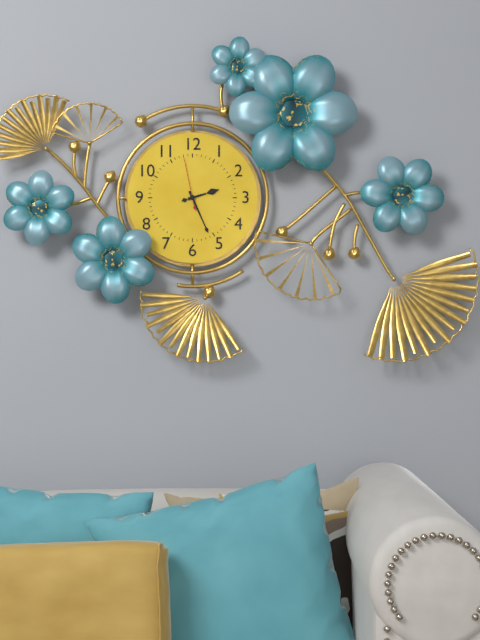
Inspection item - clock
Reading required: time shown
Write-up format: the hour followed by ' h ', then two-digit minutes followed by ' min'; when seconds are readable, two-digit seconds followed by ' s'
2 h 26 min 58 s
